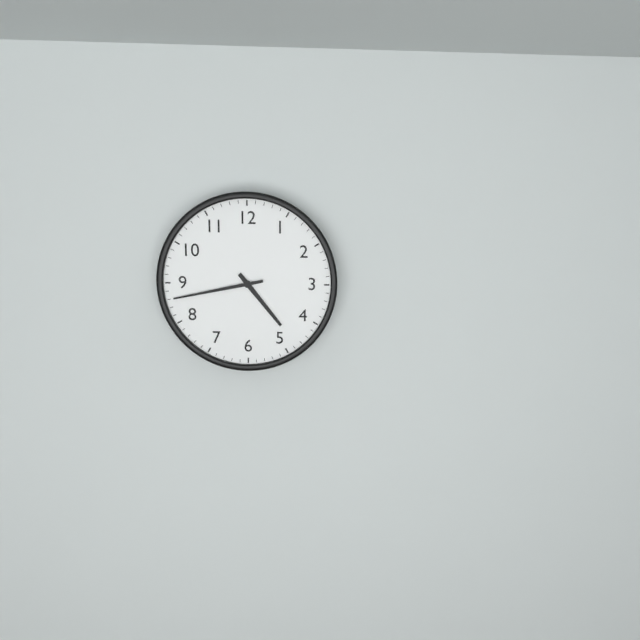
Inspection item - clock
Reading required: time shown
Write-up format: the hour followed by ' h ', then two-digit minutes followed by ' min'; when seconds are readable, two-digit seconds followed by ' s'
4 h 43 min
